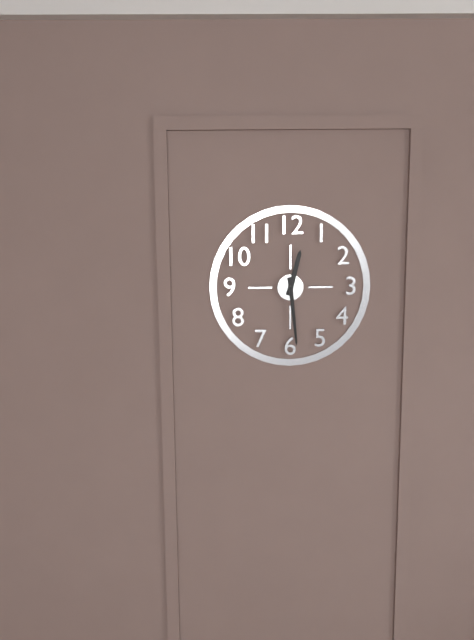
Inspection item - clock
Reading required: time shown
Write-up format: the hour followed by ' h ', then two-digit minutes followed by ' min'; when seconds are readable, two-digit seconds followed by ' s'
12 h 29 min
